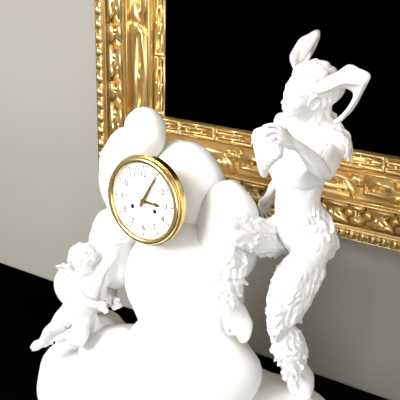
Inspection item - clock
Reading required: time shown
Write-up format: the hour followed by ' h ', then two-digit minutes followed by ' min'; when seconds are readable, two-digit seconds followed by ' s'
3 h 05 min
